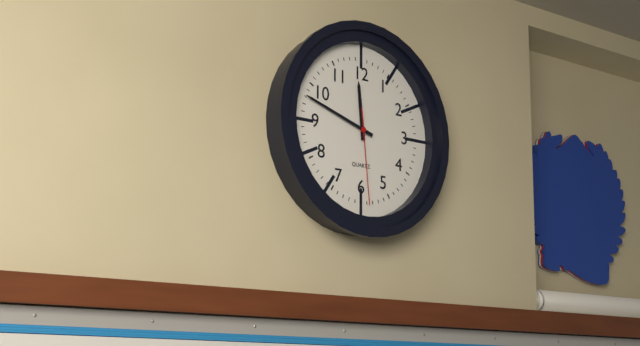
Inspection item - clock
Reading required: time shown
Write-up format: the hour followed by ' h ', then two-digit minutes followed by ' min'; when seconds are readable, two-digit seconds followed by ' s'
11 h 48 min 29 s
